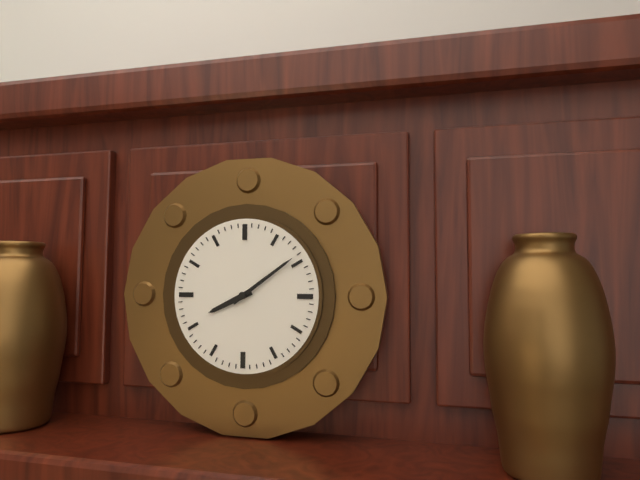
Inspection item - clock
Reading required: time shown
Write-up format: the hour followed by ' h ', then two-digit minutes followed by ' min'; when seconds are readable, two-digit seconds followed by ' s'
8 h 09 min
